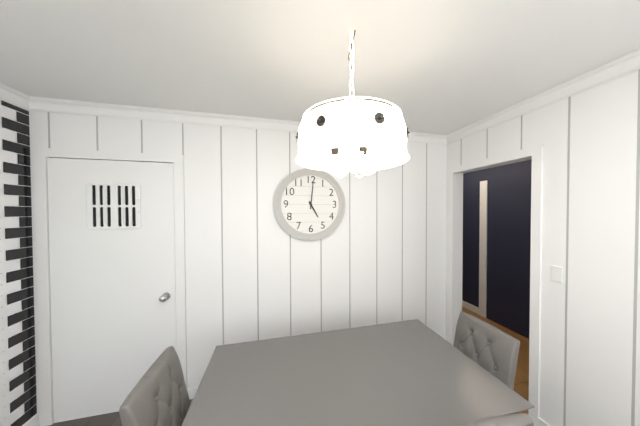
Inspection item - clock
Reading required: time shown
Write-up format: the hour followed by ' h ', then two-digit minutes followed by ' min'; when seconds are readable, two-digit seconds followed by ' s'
5 h 01 min
